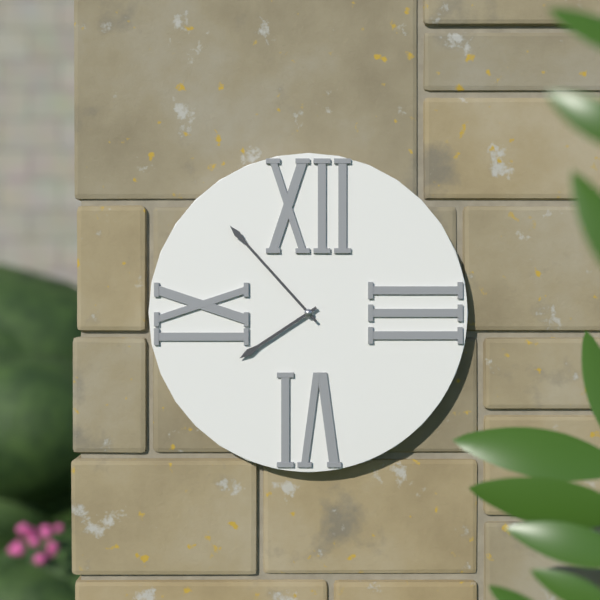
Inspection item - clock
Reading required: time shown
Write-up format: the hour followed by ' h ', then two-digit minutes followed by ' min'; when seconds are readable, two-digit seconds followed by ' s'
7 h 53 min
